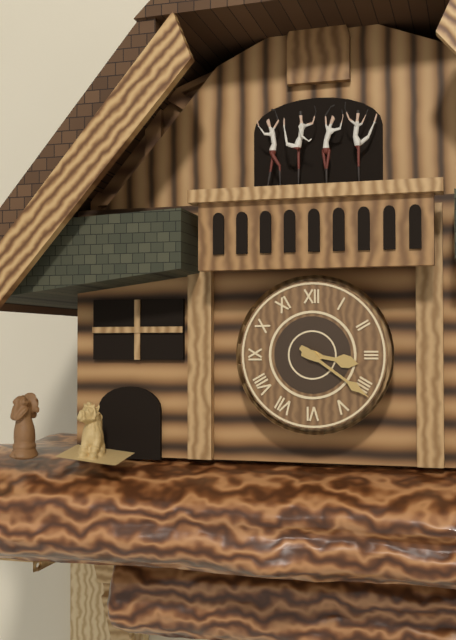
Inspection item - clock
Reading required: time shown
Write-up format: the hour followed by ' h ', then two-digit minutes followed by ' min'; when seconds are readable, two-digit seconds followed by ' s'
3 h 21 min
